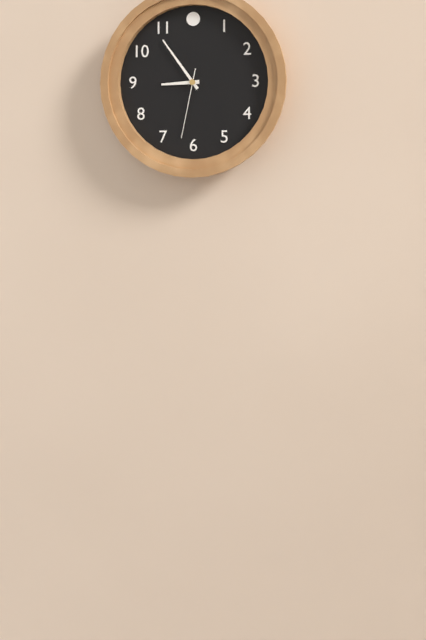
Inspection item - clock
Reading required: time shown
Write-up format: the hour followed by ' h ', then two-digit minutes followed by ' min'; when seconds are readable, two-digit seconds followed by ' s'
8 h 54 min 32 s
